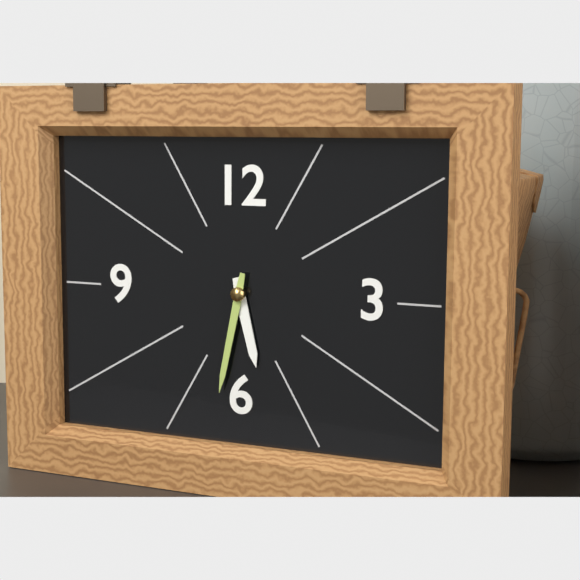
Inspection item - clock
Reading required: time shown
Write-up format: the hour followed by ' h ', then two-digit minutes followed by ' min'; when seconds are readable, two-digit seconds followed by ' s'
5 h 32 min
